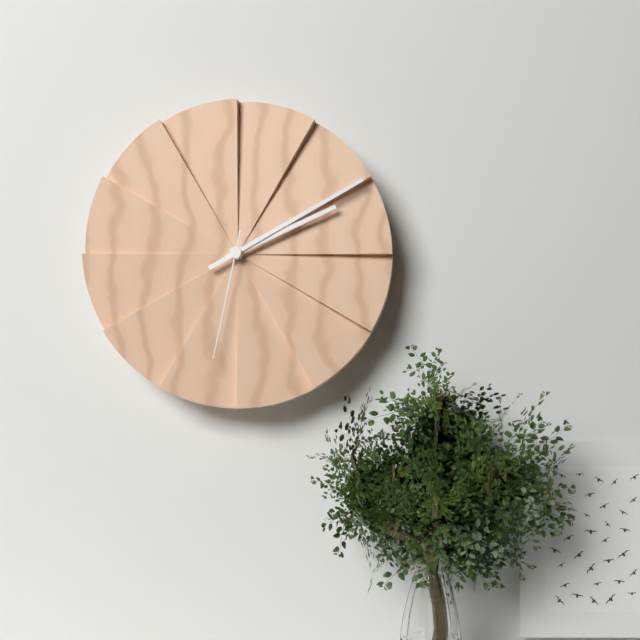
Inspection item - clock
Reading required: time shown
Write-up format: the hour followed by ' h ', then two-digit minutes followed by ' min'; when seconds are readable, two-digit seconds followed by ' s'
2 h 10 min 32 s
